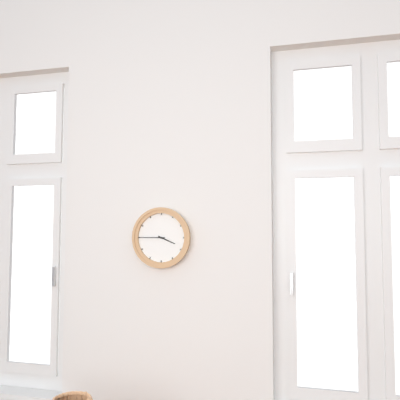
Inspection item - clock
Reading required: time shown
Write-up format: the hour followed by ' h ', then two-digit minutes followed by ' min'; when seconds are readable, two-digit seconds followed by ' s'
3 h 45 min
